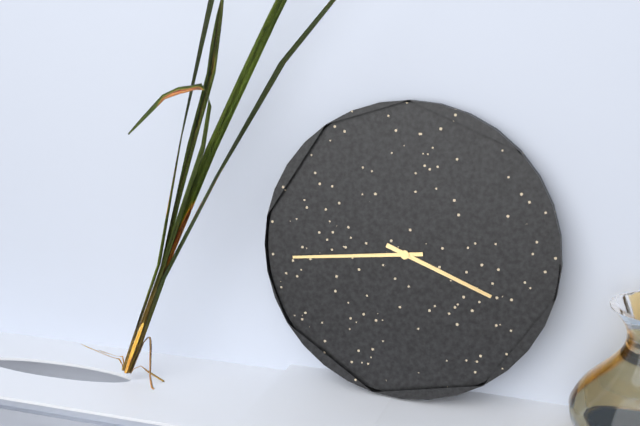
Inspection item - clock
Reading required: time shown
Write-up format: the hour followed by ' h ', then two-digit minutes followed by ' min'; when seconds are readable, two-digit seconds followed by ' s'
3 h 44 min
